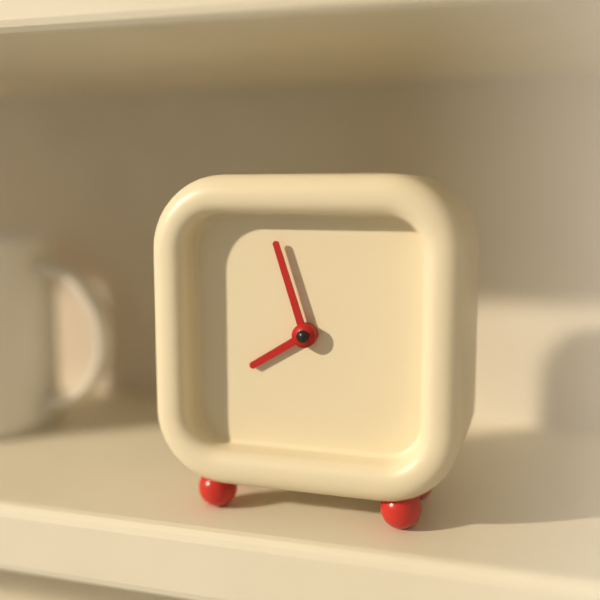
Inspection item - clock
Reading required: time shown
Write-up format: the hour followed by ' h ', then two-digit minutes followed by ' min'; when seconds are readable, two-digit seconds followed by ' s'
7 h 57 min
